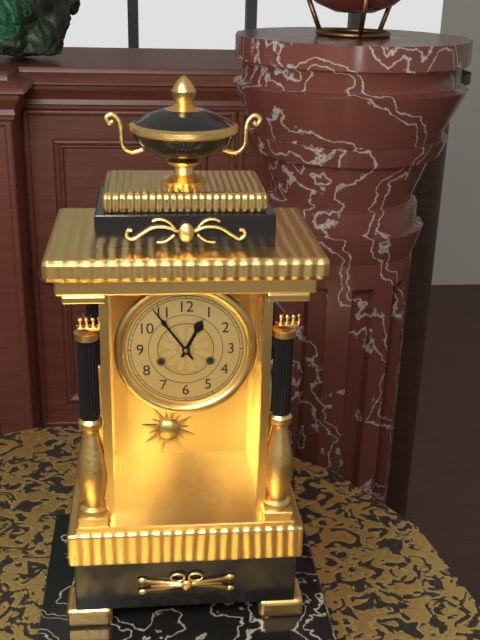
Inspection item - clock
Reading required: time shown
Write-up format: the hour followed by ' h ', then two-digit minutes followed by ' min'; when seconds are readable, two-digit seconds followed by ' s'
12 h 54 min
